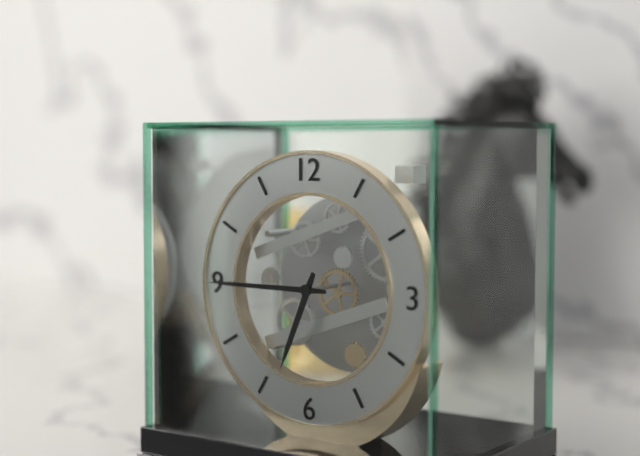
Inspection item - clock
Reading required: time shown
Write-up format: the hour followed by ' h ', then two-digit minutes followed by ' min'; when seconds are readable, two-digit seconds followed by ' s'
6 h 45 min
